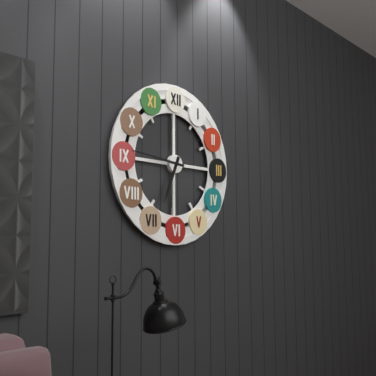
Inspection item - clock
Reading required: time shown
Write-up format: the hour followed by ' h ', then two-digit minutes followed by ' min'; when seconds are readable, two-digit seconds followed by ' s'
6 h 46 min
